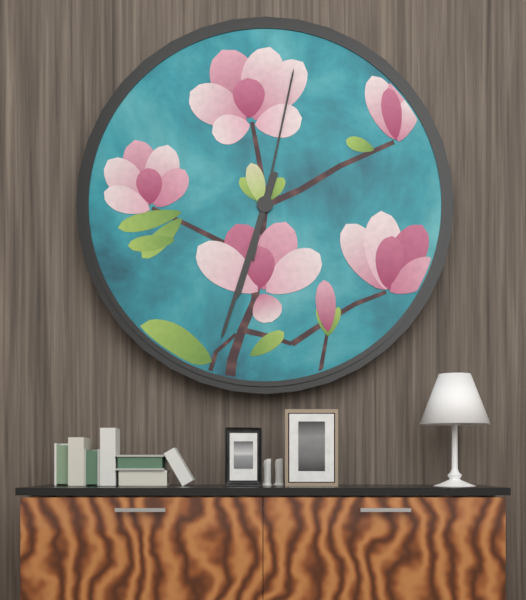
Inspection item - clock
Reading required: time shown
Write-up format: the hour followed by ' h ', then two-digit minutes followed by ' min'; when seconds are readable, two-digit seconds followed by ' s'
6 h 33 min 02 s
